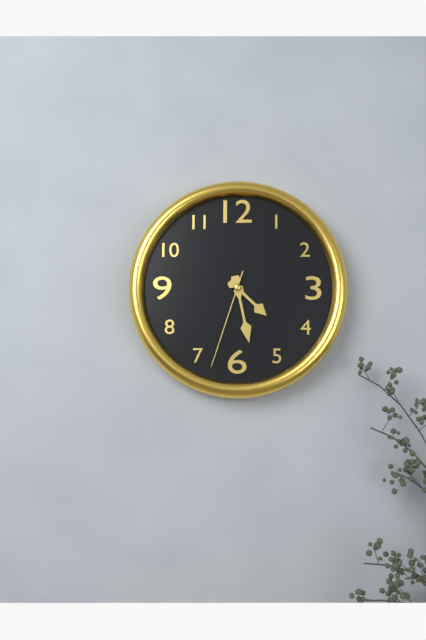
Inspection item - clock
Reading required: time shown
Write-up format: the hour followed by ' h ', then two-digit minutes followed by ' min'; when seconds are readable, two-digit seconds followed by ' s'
4 h 28 min 33 s
